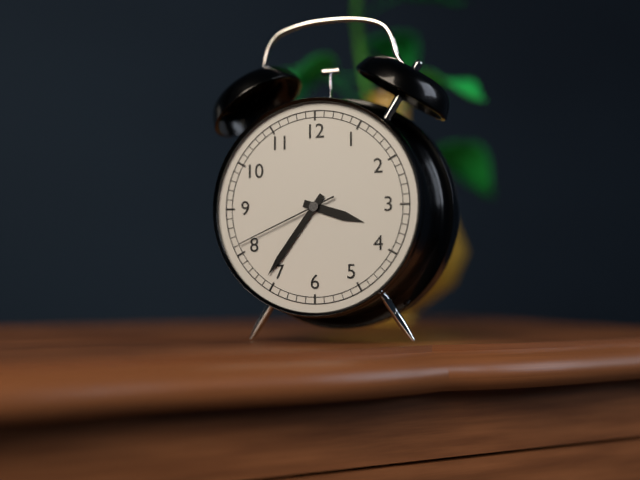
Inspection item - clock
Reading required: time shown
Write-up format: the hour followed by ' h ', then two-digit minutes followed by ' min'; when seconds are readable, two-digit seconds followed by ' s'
3 h 36 min 41 s
